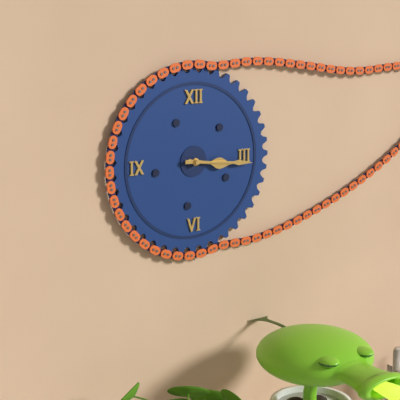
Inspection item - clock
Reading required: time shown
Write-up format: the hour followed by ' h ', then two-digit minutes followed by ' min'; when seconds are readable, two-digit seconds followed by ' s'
3 h 16 min
